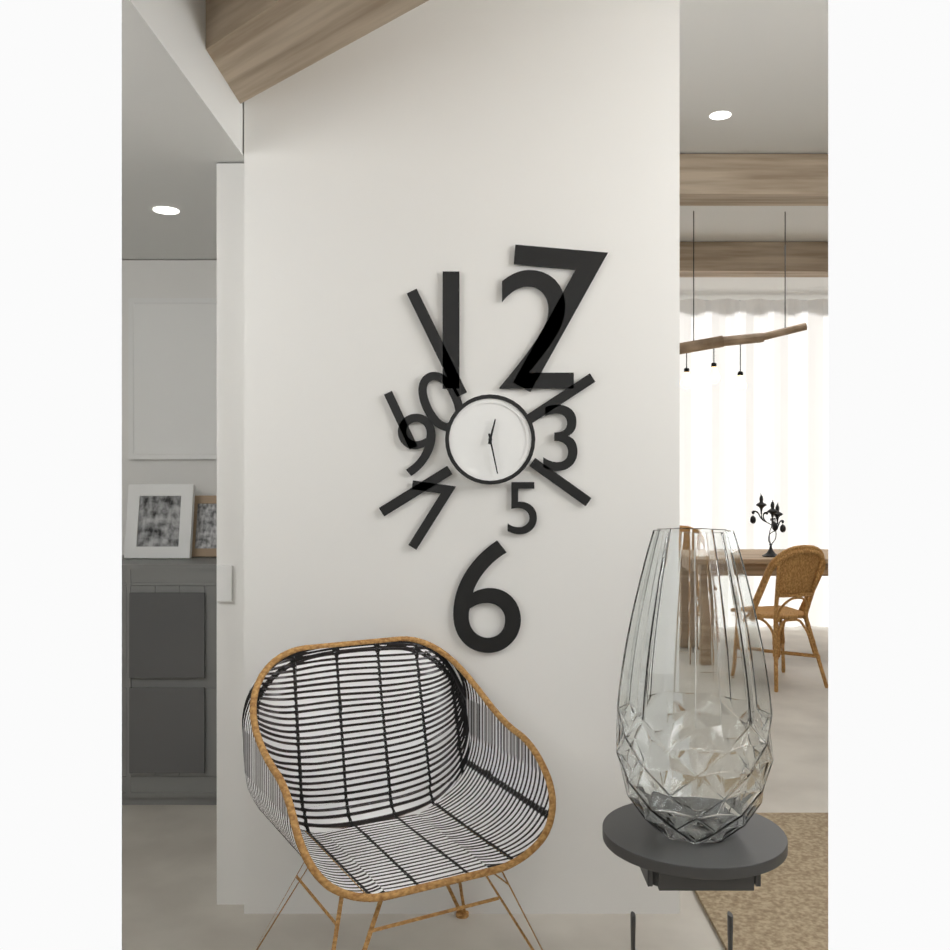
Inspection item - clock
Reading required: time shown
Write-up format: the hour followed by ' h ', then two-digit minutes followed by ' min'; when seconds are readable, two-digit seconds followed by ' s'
12 h 28 min
